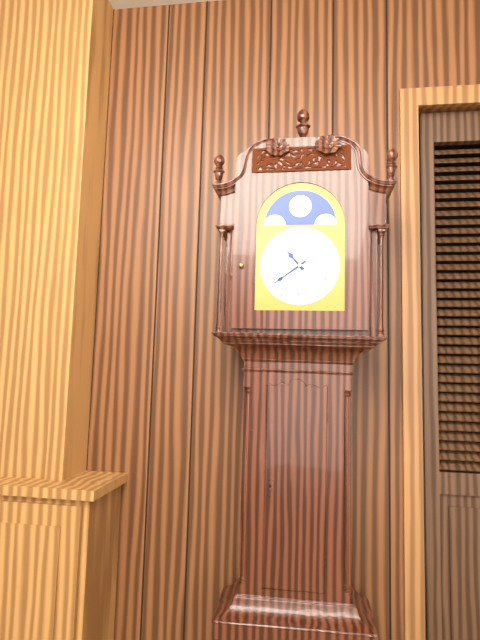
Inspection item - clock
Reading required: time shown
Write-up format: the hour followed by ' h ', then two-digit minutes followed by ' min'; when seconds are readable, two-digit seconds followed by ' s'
10 h 39 min
